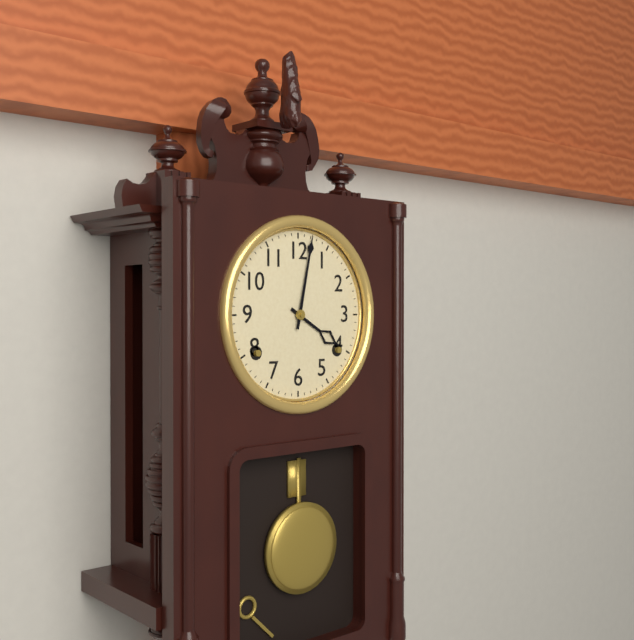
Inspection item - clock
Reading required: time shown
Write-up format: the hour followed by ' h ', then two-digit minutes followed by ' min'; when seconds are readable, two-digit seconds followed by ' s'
4 h 02 min
